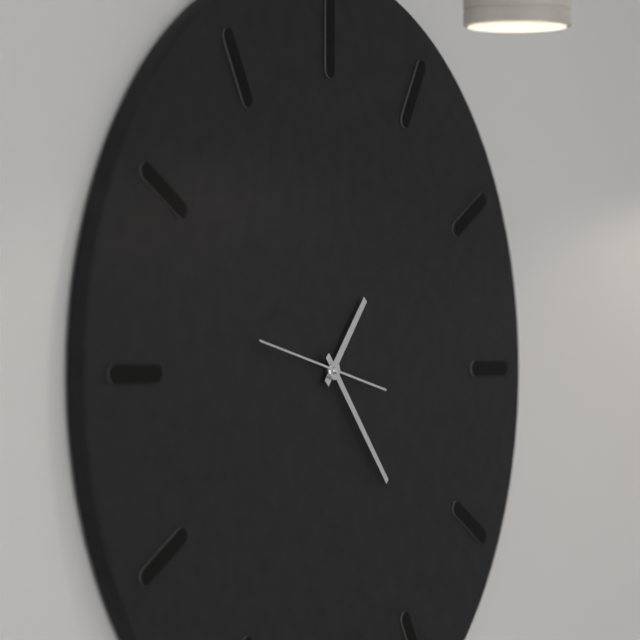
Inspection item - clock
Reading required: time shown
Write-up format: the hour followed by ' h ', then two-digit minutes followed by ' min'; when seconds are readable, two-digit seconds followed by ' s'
1 h 23 min 47 s
